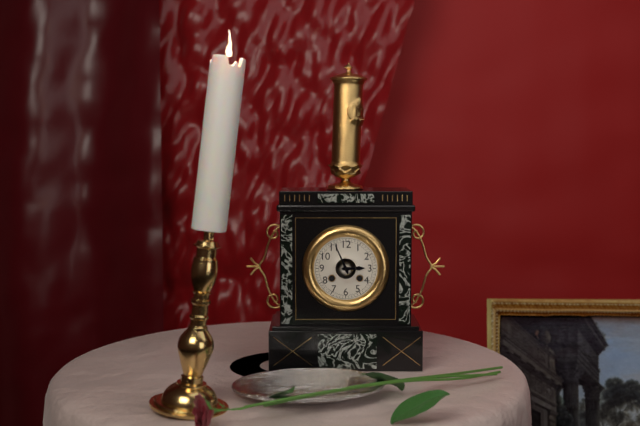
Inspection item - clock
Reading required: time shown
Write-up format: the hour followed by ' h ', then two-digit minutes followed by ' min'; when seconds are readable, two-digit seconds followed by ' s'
2 h 56 min
